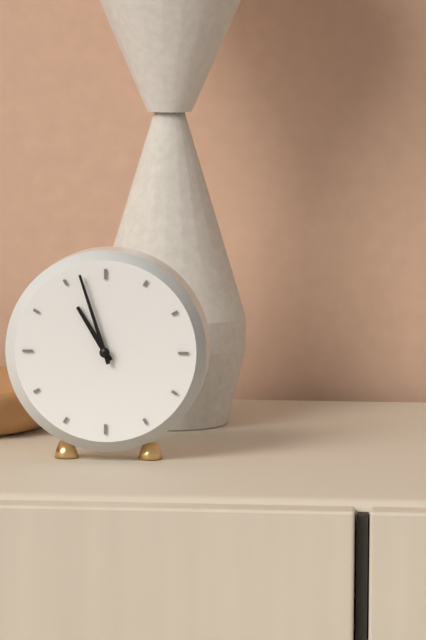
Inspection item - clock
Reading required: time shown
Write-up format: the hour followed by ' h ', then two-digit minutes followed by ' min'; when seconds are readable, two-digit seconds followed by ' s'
10 h 57 min
